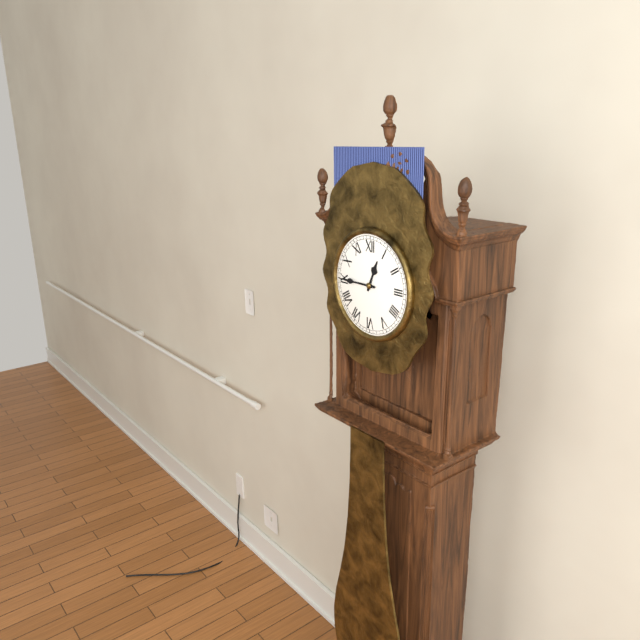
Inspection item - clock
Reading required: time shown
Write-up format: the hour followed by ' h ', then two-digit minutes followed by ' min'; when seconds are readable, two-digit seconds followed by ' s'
12 h 45 min
